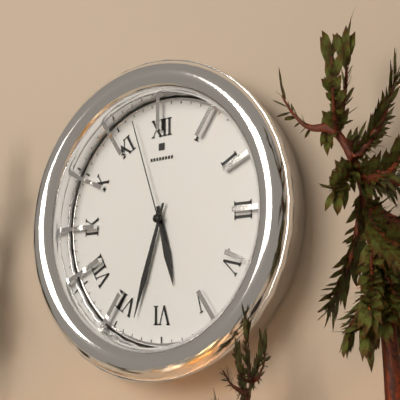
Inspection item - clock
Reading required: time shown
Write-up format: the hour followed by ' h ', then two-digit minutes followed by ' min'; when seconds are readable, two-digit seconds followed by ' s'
5 h 33 min 57 s
